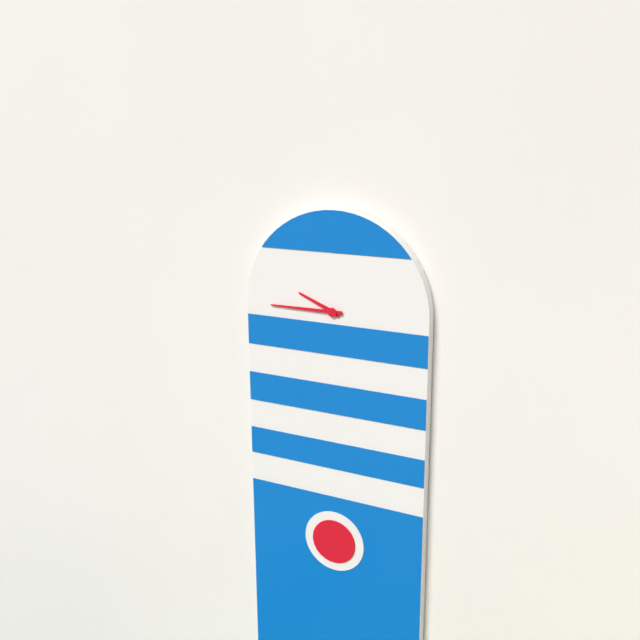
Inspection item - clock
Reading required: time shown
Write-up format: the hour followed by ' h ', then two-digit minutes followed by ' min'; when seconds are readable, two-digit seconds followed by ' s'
9 h 45 min
